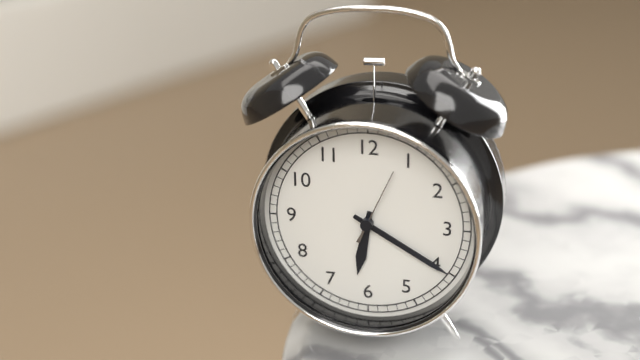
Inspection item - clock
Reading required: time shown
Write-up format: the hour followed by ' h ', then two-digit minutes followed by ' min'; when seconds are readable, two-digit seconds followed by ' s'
6 h 20 min 04 s
